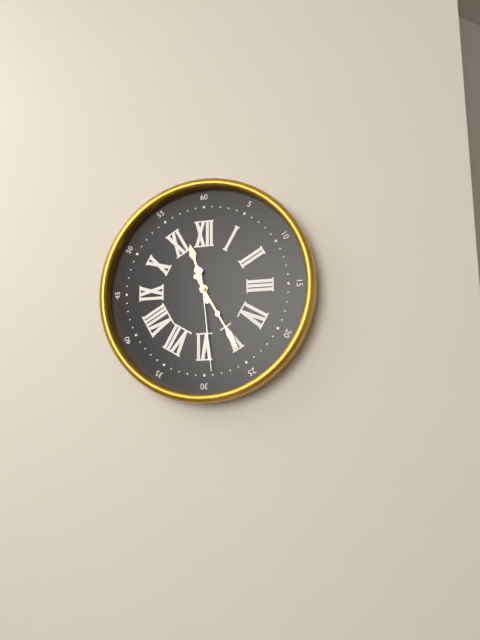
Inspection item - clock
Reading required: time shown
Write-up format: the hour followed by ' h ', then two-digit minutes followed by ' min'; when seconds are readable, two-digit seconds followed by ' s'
11 h 25 min 29 s
